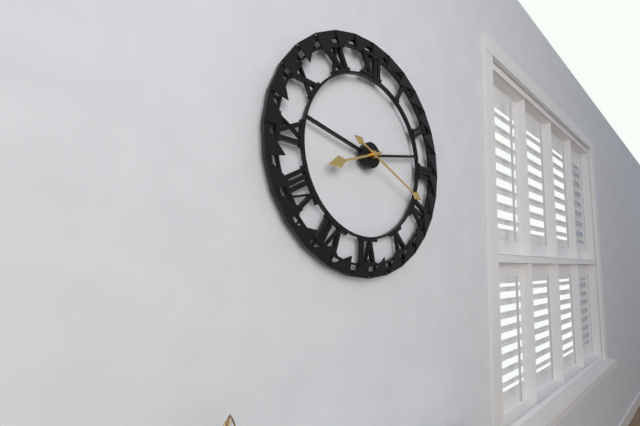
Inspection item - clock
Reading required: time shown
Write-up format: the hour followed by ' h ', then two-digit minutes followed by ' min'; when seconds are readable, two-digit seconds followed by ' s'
8 h 19 min
